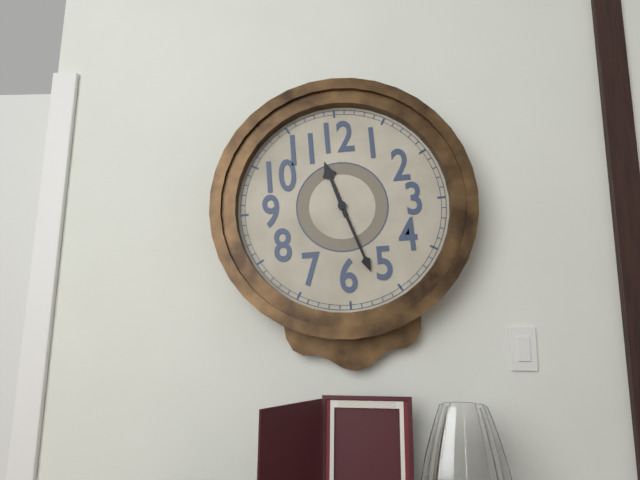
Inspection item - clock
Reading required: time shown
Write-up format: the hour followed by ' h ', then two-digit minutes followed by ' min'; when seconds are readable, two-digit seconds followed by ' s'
11 h 27 min
